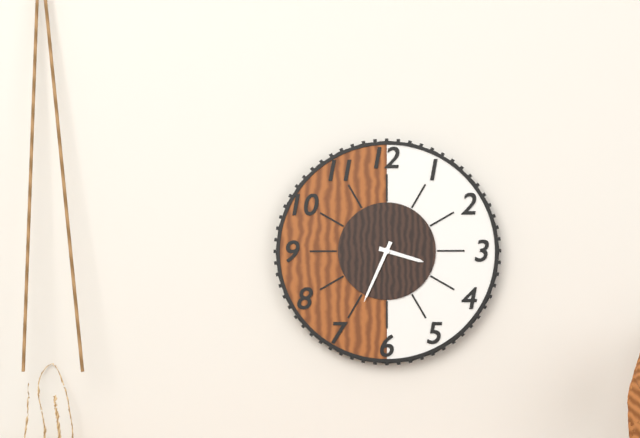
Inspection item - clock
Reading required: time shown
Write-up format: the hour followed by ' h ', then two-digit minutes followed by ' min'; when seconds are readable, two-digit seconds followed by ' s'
3 h 34 min
